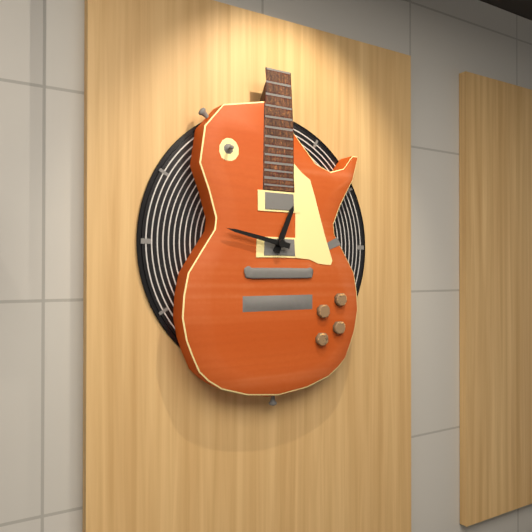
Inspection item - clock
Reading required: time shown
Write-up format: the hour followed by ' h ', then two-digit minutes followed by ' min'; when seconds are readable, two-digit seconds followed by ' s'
12 h 47 min
